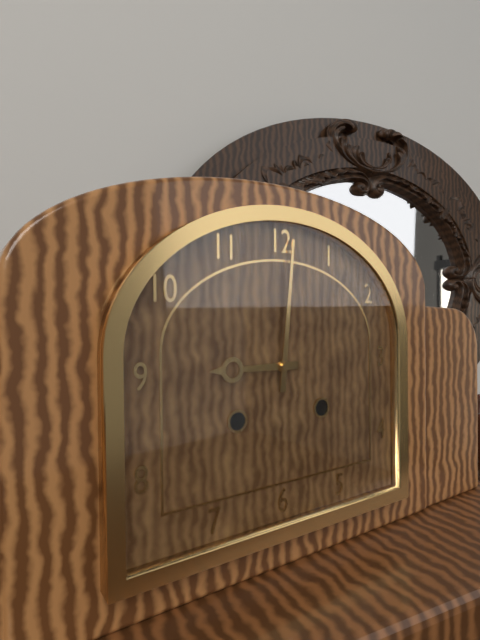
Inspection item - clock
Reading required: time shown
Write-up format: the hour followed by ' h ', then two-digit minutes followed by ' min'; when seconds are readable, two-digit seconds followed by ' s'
9 h 01 min
